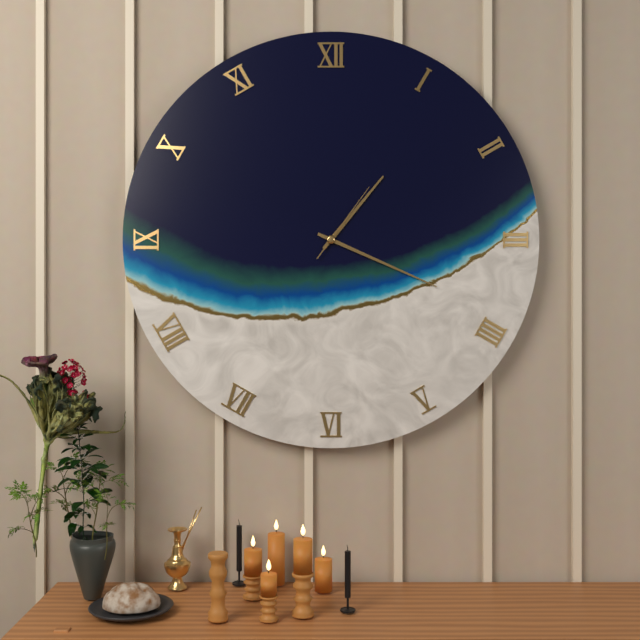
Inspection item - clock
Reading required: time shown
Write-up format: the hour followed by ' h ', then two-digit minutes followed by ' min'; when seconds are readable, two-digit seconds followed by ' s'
1 h 19 min 06 s
